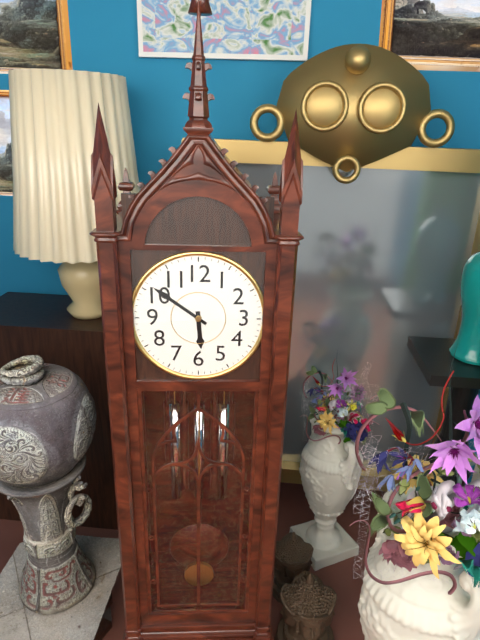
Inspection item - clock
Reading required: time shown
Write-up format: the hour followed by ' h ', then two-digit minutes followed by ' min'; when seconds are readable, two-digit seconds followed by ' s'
5 h 51 min
